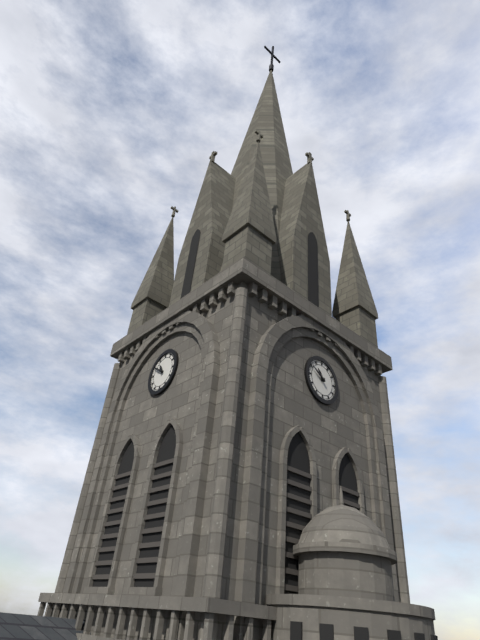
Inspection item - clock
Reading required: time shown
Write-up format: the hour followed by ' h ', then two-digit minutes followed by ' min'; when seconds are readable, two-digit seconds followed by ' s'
10 h 50 min
